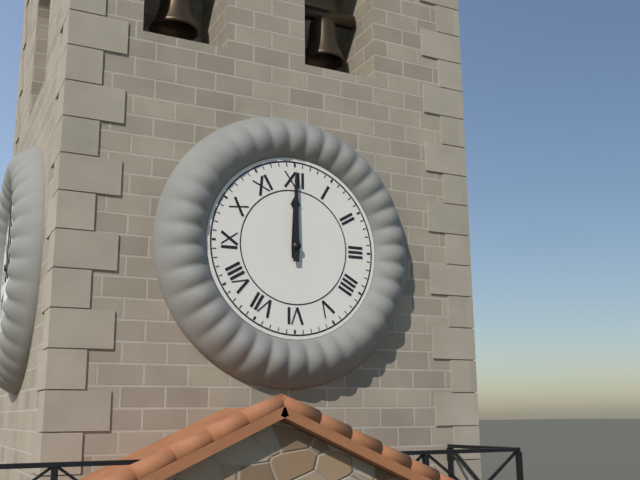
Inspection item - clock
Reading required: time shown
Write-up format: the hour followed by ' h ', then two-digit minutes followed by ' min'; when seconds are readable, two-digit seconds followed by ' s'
12 h 00 min
